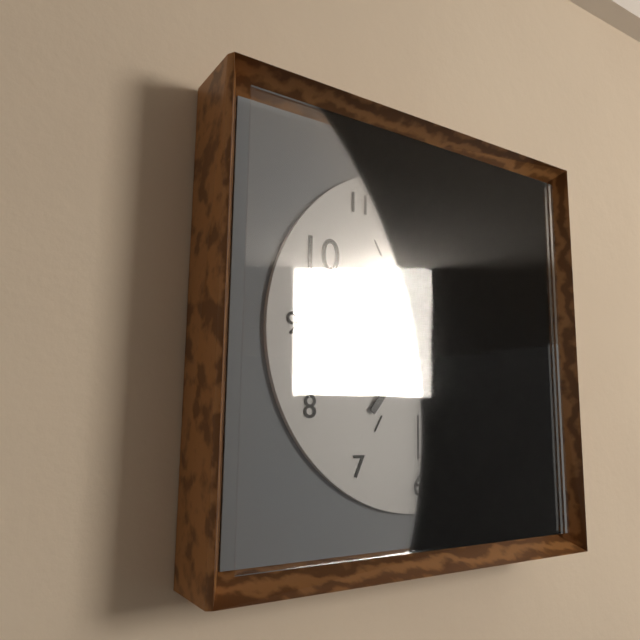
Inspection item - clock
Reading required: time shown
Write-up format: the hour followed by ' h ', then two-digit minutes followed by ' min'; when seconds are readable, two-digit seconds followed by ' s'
7 h 16 min 01 s
